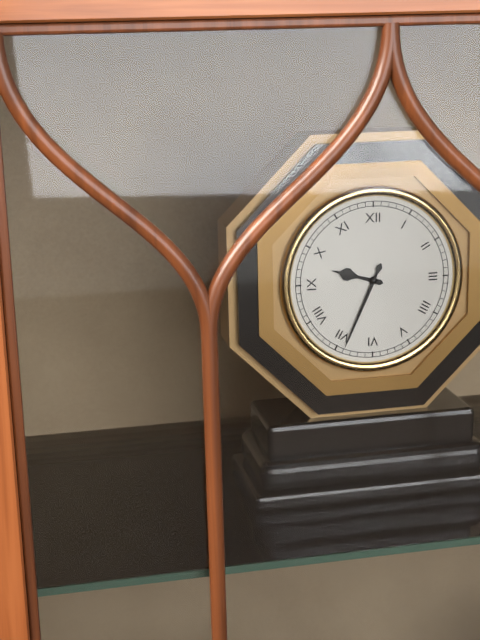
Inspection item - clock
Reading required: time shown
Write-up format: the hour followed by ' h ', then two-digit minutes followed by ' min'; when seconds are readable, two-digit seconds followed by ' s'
9 h 34 min
